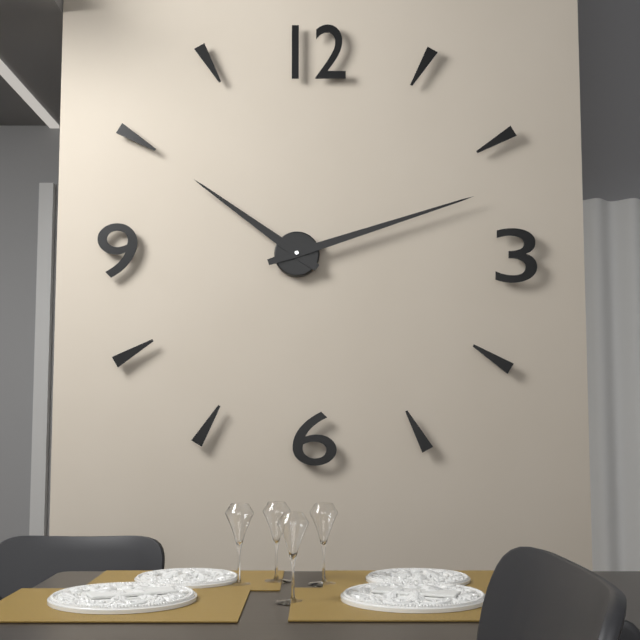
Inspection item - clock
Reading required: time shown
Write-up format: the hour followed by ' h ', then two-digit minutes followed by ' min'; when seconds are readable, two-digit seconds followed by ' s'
10 h 12 min
